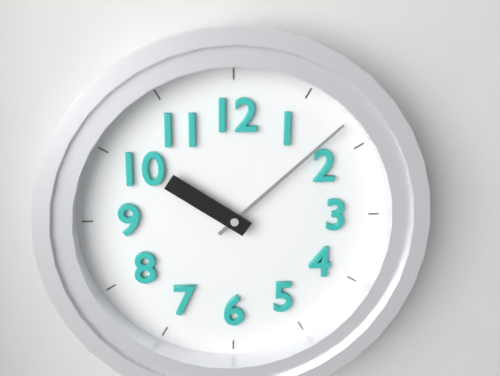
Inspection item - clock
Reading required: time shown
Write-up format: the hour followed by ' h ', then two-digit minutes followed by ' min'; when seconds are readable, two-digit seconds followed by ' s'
10 h 08 min
